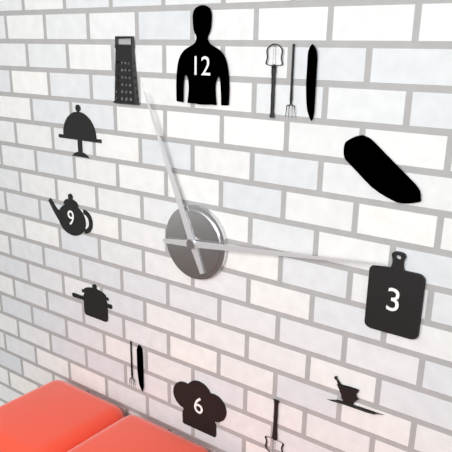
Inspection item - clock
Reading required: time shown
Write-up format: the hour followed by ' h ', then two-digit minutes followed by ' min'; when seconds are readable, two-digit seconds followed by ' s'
11 h 14 min
